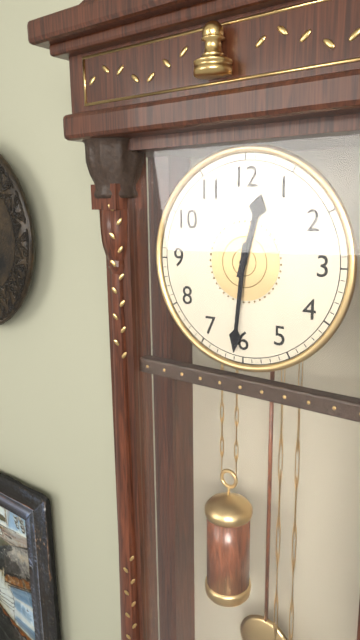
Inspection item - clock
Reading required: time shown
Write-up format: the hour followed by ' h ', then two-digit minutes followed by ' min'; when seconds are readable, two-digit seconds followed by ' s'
12 h 31 min
